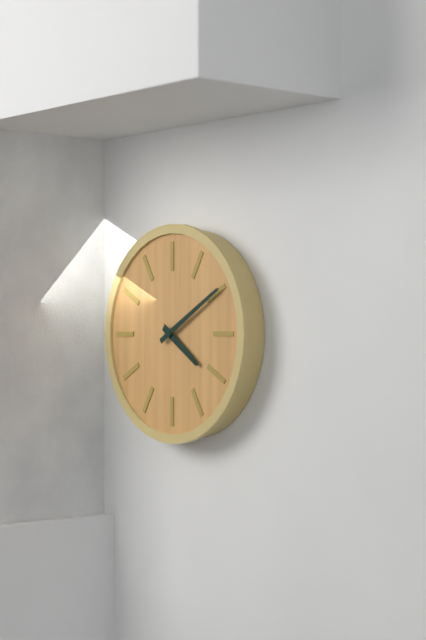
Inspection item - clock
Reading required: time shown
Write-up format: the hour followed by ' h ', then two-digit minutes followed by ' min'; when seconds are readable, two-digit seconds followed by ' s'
4 h 10 min
